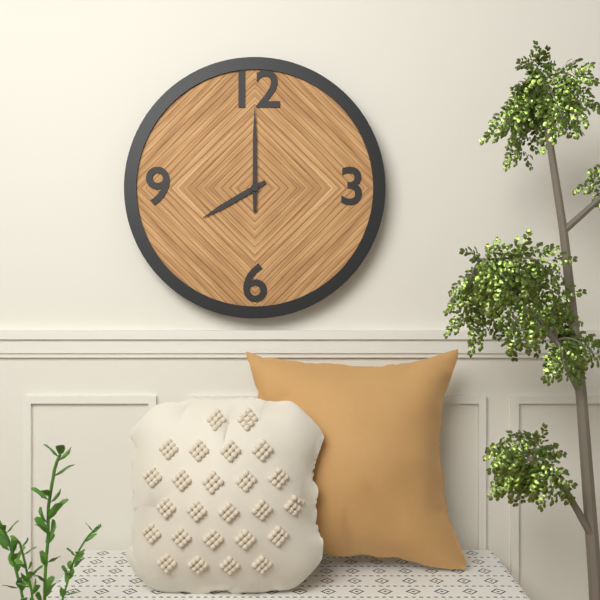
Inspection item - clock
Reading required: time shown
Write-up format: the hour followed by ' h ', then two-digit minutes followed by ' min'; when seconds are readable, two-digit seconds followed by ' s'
8 h 00 min
